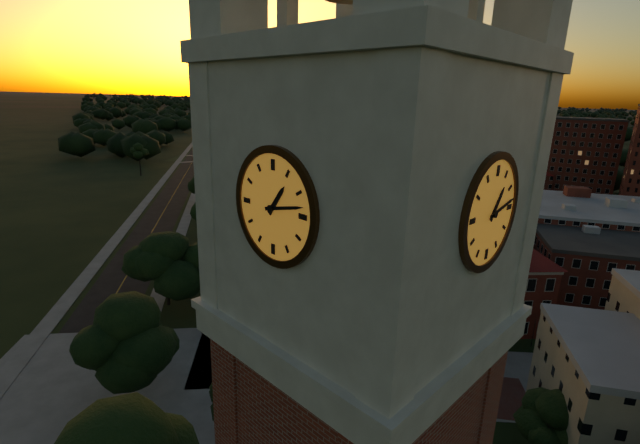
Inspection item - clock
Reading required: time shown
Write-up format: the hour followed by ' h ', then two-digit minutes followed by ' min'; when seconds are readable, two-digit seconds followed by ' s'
1 h 13 min
